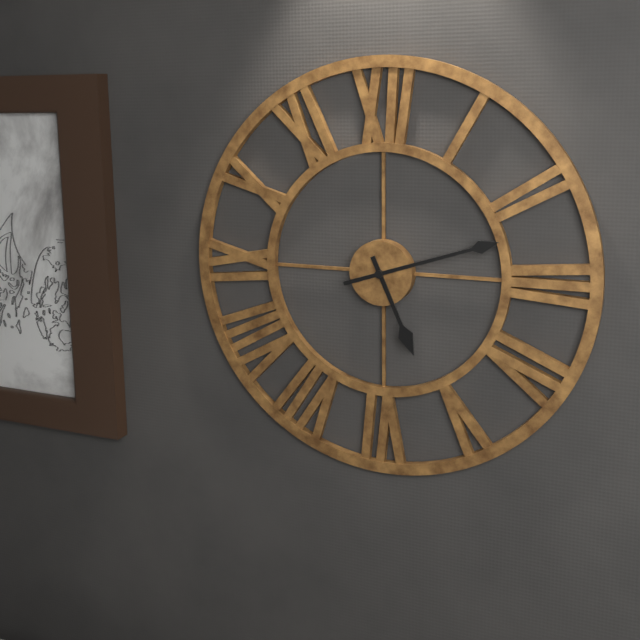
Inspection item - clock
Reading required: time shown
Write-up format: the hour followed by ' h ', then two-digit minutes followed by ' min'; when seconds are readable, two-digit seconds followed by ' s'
5 h 12 min
